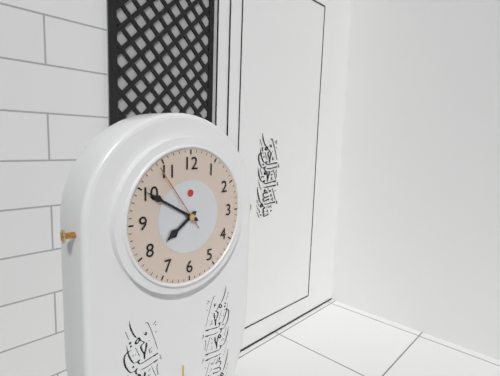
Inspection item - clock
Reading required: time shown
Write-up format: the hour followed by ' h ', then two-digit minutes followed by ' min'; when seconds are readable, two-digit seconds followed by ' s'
7 h 50 min 54 s
